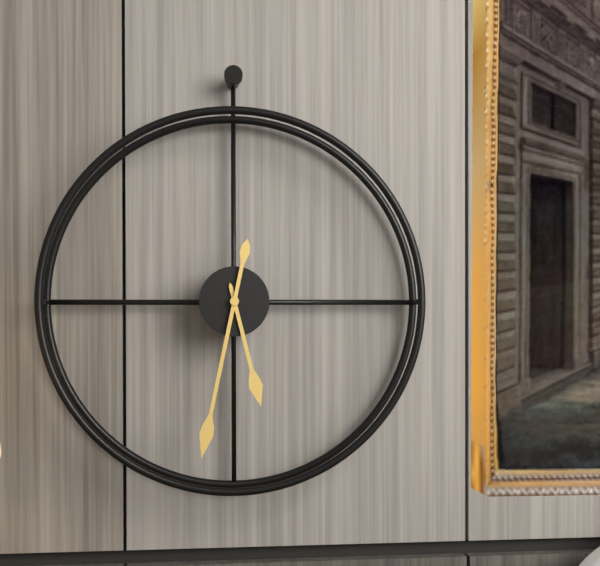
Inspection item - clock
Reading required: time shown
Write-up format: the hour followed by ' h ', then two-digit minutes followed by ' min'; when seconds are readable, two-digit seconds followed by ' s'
5 h 32 min
